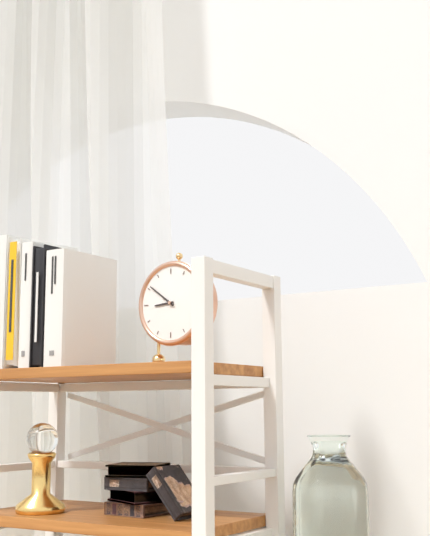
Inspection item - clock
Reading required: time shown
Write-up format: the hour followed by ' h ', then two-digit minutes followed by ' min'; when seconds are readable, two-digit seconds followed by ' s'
8 h 51 min
